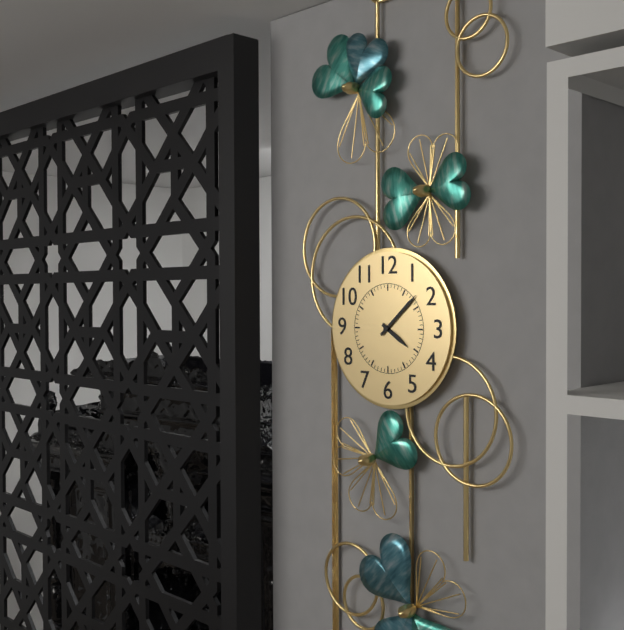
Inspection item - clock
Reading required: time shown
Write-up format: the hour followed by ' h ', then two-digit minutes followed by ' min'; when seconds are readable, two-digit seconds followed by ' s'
4 h 08 min
